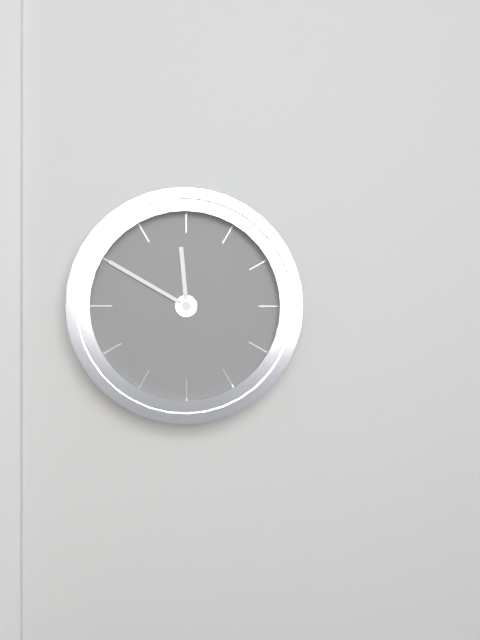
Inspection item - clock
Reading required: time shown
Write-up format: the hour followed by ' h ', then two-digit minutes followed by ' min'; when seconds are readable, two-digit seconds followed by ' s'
11 h 50 min
